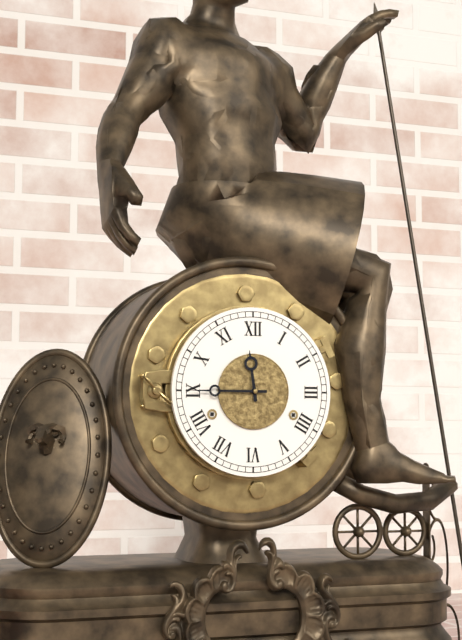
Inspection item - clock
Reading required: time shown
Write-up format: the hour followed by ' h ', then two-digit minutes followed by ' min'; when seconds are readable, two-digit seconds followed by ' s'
11 h 45 min
